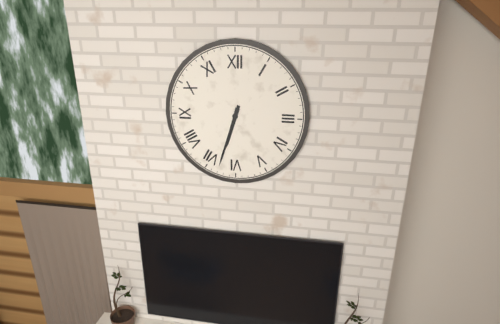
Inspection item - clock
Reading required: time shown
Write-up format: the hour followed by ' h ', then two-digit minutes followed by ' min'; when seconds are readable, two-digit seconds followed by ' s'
6 h 33 min
